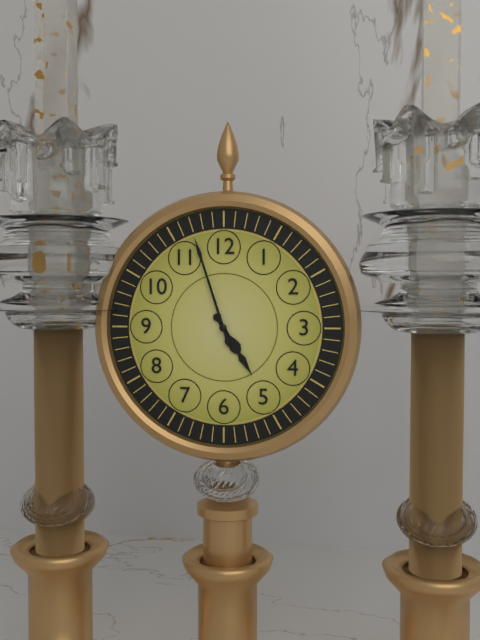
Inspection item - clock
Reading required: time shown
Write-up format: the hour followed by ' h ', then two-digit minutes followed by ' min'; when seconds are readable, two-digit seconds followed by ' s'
4 h 57 min
